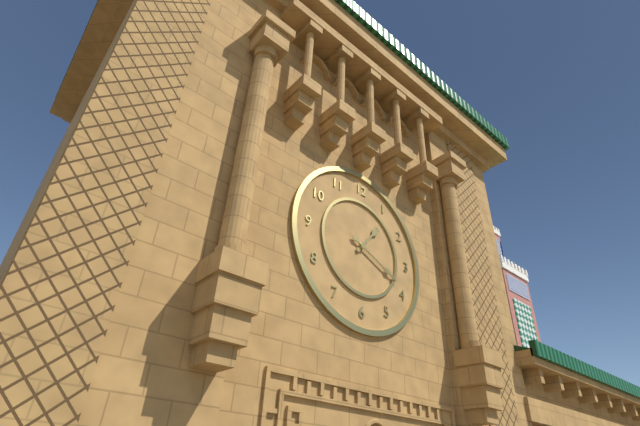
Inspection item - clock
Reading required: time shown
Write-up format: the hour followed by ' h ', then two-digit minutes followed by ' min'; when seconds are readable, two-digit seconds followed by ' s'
1 h 19 min
